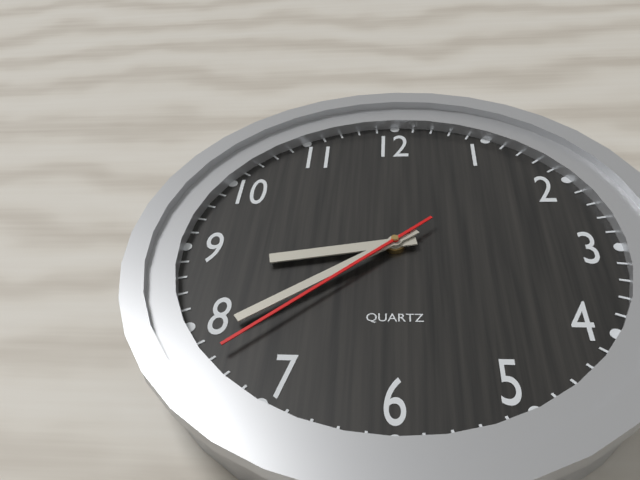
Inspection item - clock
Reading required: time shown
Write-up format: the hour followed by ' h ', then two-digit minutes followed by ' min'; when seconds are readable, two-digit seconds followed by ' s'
8 h 39 min 38 s
